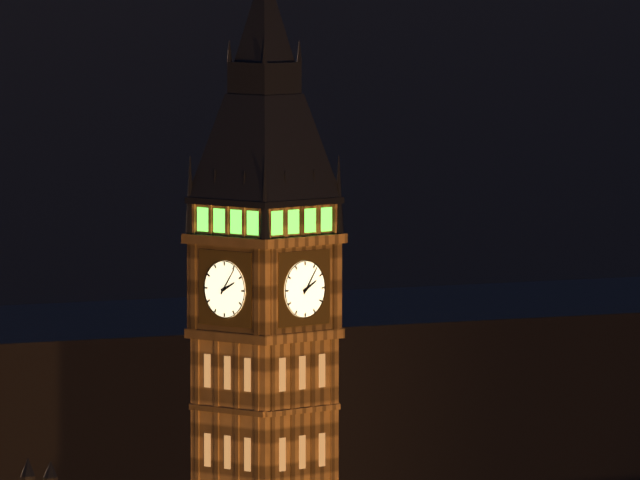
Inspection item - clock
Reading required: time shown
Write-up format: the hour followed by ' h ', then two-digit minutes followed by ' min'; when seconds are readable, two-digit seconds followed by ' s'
2 h 06 min
